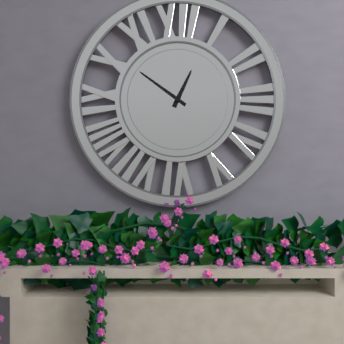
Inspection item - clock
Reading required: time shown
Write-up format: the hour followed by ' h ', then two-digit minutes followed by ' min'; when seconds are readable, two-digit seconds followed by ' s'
12 h 51 min
